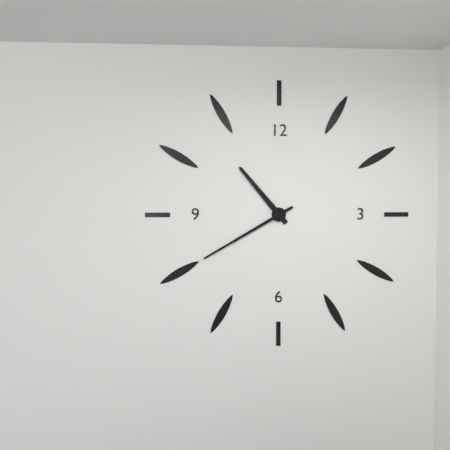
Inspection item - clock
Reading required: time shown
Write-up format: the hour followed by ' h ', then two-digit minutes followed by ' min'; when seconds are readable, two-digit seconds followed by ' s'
10 h 40 min
